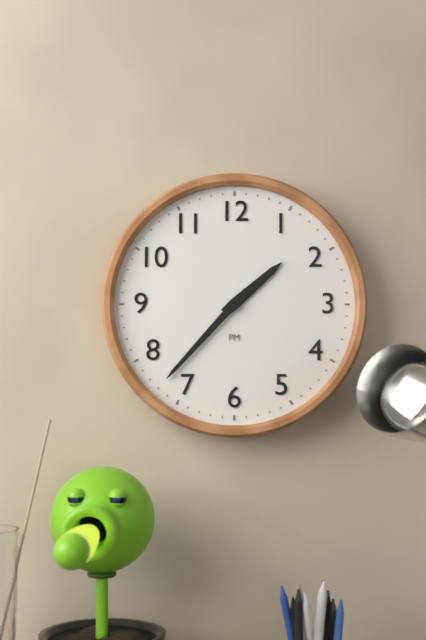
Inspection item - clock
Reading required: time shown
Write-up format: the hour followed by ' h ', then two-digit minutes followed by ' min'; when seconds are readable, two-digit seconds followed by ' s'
1 h 37 min
